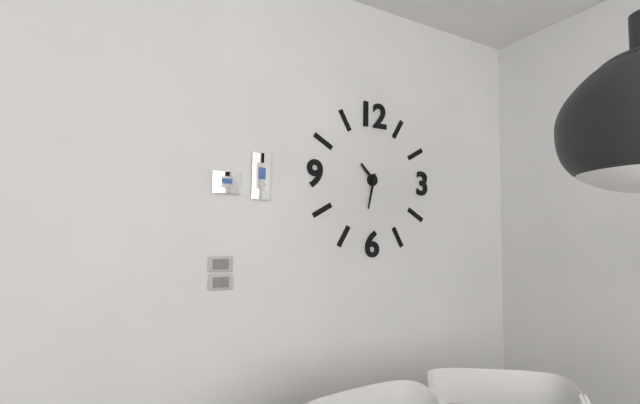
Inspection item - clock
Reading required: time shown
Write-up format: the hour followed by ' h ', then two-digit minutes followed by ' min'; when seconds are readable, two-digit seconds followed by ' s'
10 h 32 min
